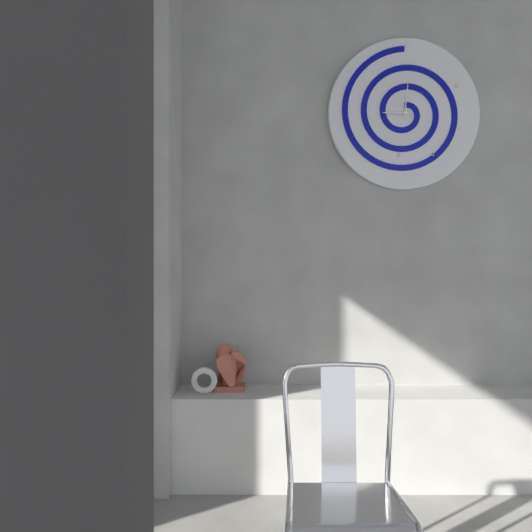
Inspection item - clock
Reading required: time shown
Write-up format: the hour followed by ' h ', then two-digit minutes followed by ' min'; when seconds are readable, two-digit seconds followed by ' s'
9 h 01 min
